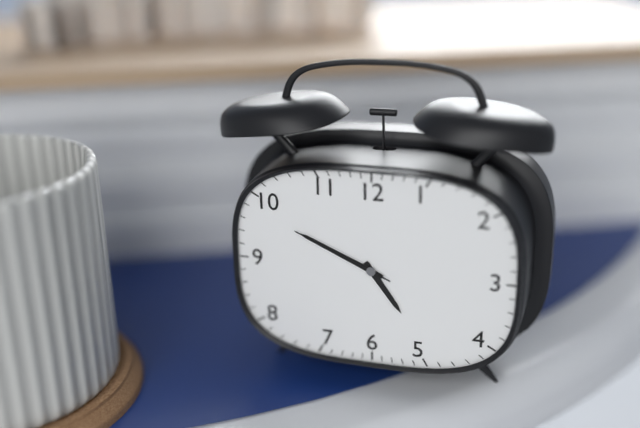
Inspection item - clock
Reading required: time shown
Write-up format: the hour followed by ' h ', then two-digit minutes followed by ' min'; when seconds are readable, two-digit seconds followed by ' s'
4 h 49 min 49 s
